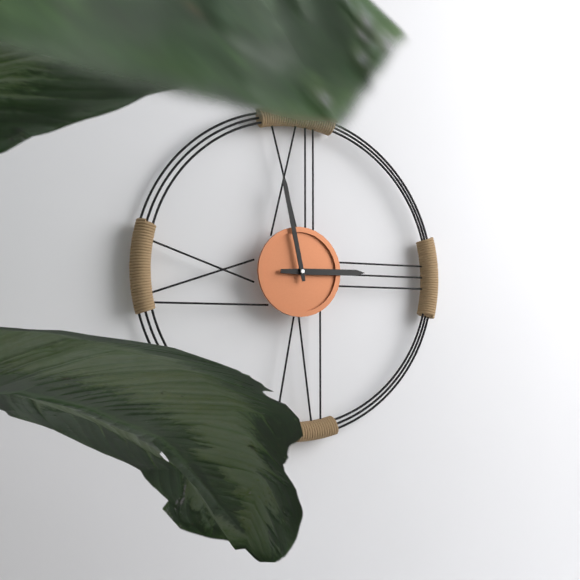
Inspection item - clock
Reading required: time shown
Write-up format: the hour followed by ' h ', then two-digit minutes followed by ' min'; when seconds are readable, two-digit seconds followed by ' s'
2 h 58 min
